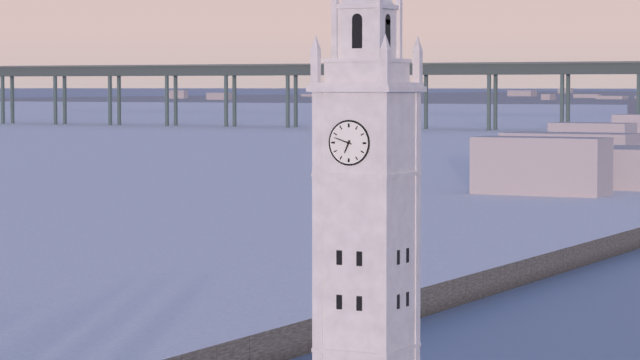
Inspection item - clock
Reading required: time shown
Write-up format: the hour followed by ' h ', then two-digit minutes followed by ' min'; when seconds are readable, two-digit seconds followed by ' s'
6 h 48 min
